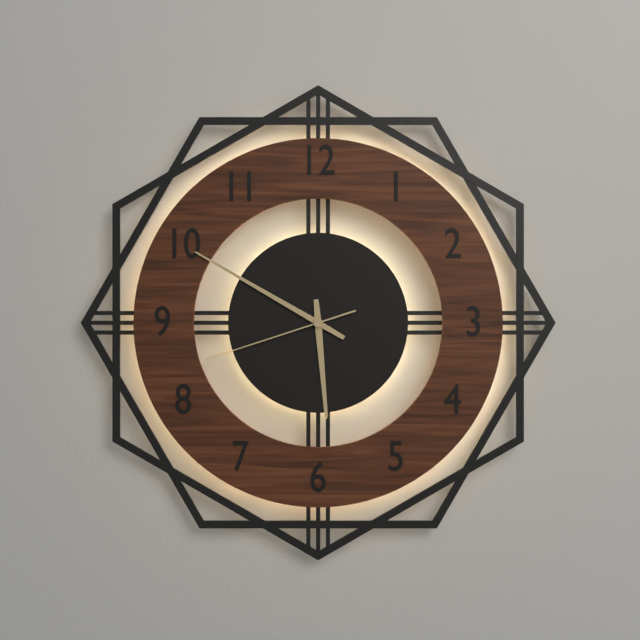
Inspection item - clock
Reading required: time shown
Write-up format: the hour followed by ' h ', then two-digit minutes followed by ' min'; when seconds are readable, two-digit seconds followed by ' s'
5 h 50 min 42 s
